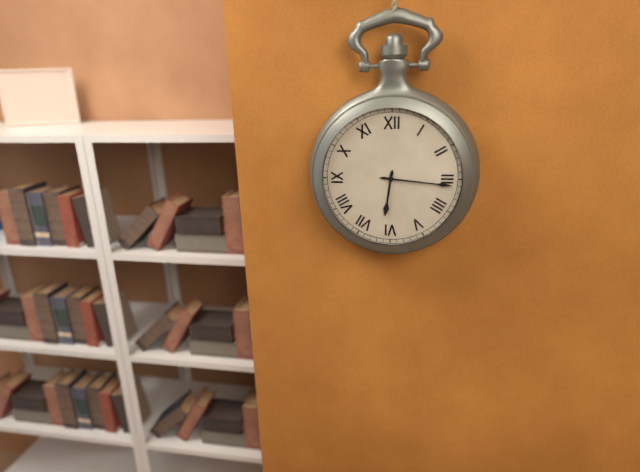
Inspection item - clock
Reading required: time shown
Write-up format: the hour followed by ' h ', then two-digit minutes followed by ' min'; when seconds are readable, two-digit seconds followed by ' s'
6 h 16 min
